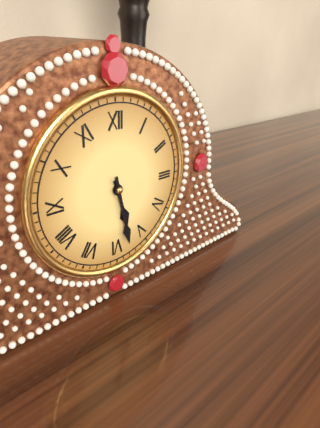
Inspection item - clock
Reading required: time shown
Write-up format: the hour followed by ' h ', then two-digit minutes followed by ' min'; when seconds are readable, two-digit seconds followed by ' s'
5 h 28 min
